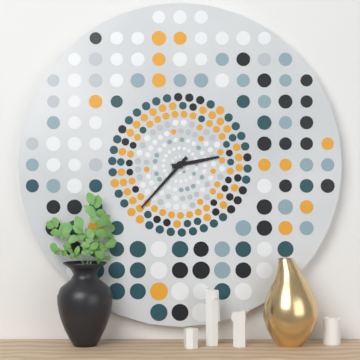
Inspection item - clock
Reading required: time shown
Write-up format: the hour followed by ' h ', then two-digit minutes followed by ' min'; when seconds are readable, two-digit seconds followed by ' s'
2 h 37 min
